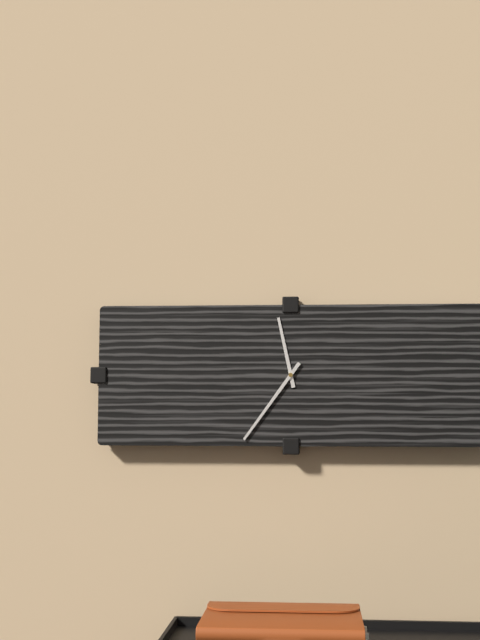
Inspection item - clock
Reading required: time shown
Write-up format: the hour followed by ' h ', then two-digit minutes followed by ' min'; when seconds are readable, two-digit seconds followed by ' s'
11 h 36 min
